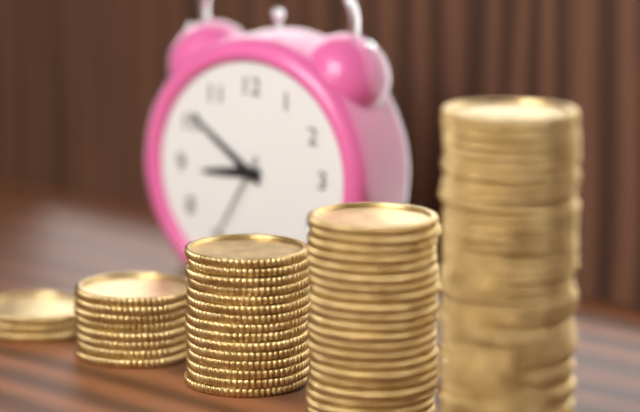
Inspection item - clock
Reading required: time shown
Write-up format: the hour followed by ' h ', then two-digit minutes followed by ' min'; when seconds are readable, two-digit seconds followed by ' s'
8 h 51 min 35 s
